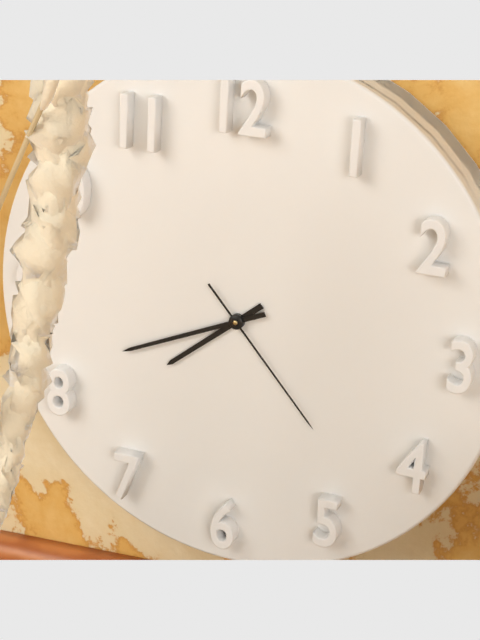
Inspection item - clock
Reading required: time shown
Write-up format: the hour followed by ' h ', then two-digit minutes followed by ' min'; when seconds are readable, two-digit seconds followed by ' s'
7 h 41 min 23 s
